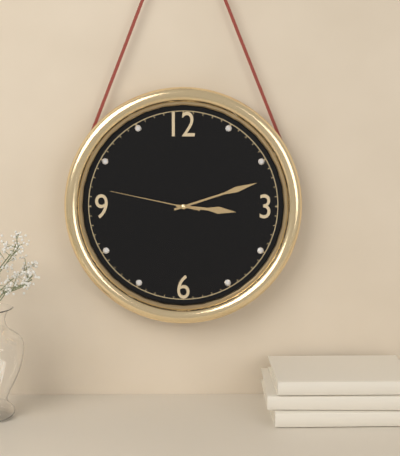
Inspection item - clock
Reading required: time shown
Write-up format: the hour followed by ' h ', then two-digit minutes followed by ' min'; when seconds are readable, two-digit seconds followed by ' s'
3 h 12 min 47 s
